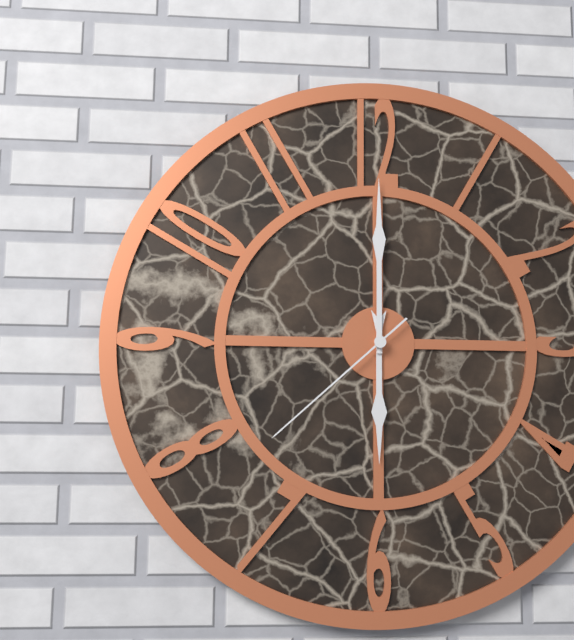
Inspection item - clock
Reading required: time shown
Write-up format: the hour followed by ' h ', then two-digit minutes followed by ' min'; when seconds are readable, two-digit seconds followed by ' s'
6 h 00 min 38 s
